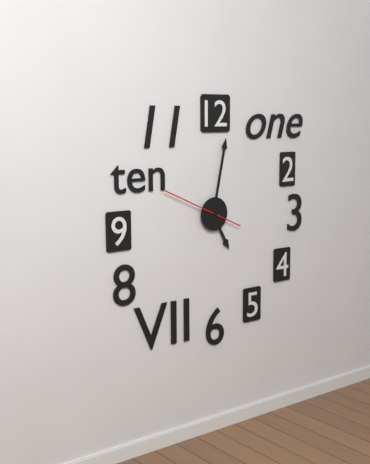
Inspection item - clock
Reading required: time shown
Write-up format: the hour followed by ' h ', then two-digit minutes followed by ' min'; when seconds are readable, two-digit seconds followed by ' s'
5 h 02 min 49 s
